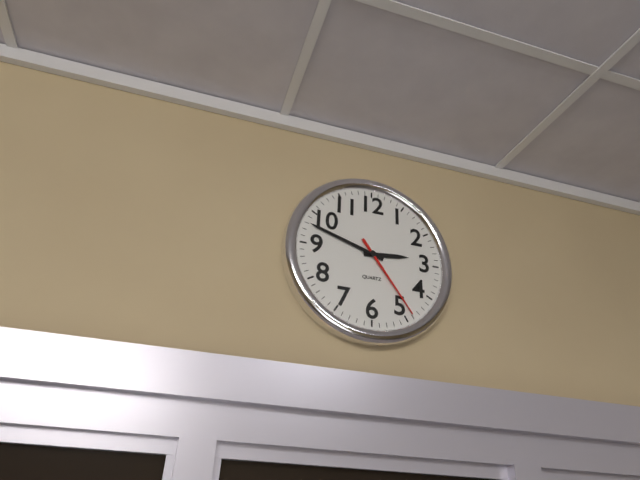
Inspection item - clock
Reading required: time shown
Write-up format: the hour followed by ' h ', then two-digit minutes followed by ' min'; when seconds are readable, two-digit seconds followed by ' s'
2 h 48 min 24 s
